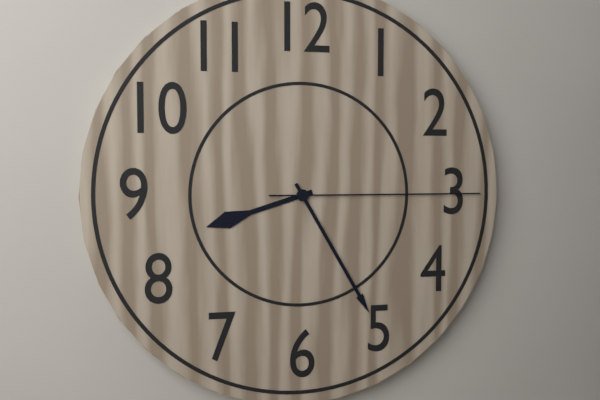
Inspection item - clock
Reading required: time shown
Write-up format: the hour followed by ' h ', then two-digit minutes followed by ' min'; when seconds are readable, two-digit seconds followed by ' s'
8 h 25 min 15 s
